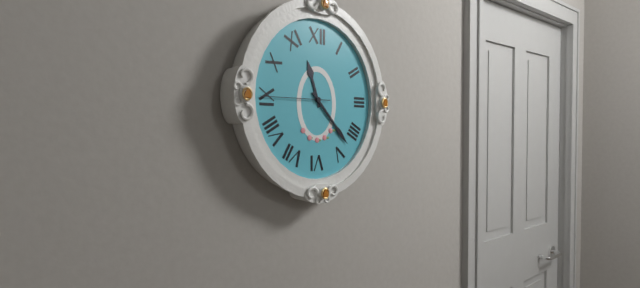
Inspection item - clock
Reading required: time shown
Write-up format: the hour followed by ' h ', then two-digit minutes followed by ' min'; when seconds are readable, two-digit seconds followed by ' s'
11 h 23 min 45 s
